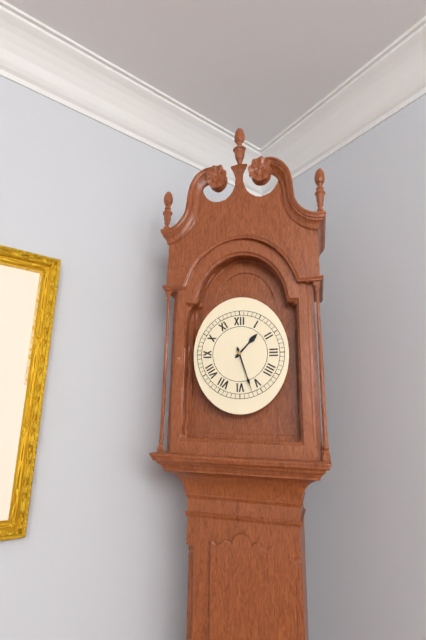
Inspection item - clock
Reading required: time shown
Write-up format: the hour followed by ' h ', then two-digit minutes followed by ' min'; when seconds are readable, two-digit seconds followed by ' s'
1 h 27 min
